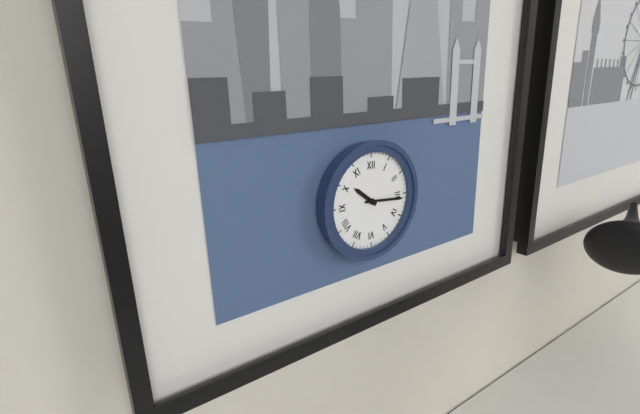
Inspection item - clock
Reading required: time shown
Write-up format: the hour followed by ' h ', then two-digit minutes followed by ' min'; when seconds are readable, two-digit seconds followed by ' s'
10 h 16 min
